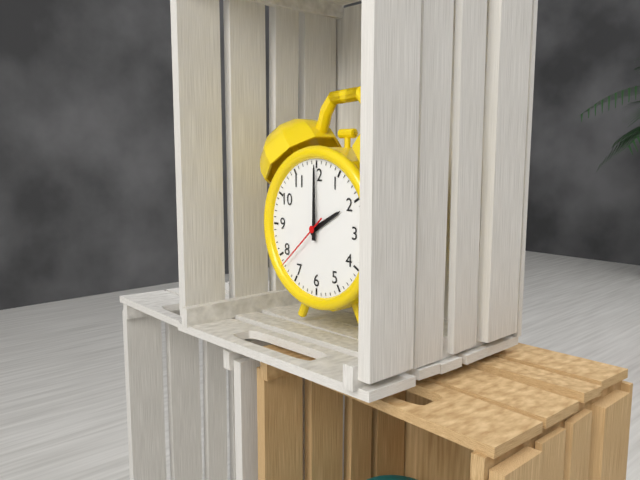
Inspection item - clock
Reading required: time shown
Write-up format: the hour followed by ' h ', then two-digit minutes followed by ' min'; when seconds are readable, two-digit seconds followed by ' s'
2 h 00 min 38 s
